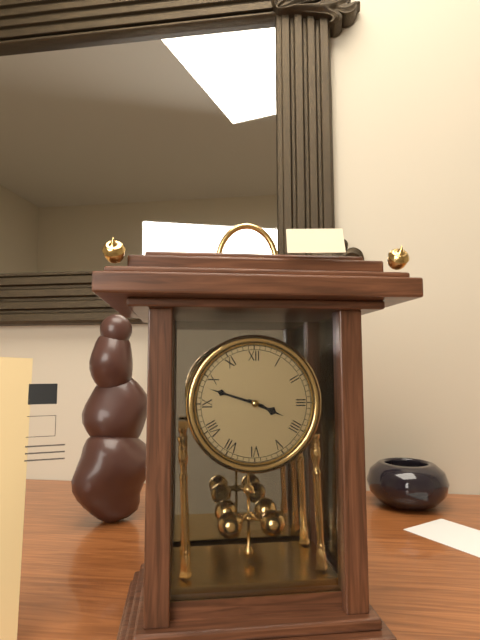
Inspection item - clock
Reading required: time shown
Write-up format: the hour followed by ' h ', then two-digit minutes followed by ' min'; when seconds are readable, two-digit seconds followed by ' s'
3 h 48 min
